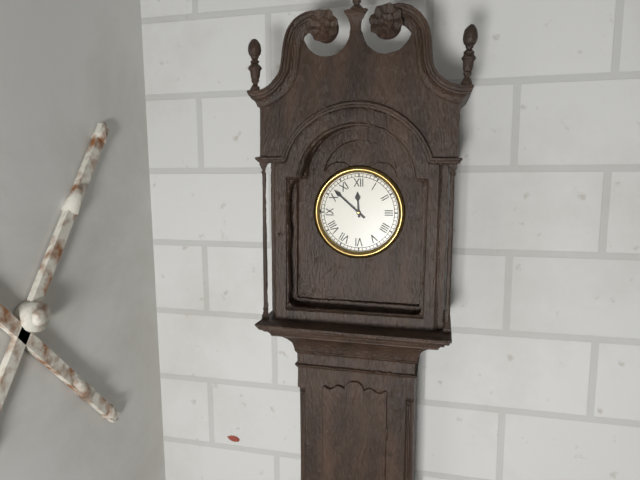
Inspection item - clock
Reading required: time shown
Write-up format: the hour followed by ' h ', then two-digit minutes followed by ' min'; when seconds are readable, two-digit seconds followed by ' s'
11 h 52 min
